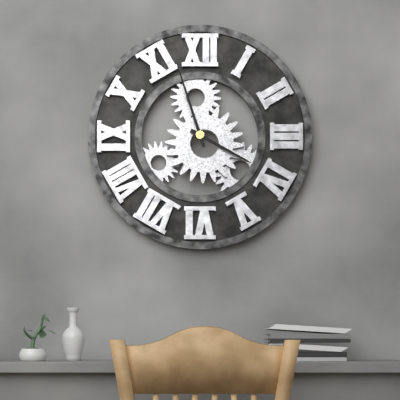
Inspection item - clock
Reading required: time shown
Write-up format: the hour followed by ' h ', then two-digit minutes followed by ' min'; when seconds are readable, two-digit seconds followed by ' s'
3 h 57 min
